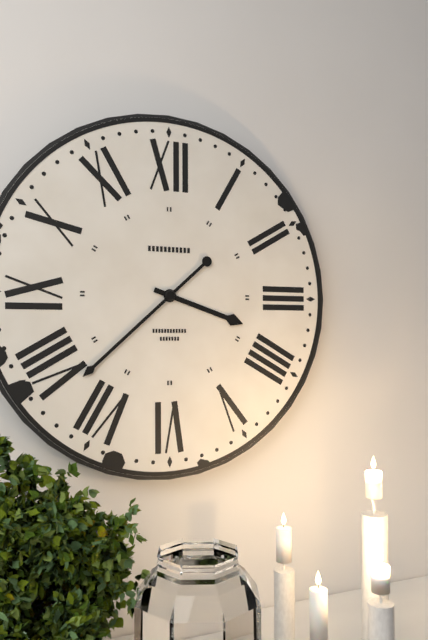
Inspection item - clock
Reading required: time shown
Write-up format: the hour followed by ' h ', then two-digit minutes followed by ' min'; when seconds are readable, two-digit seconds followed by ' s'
3 h 38 min
